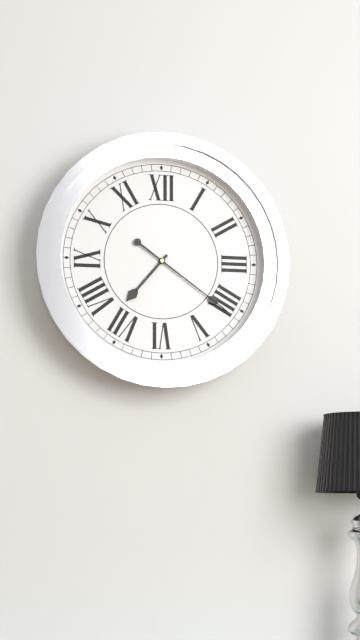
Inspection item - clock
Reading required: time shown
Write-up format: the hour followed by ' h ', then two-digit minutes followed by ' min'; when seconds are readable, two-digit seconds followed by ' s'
7 h 21 min
